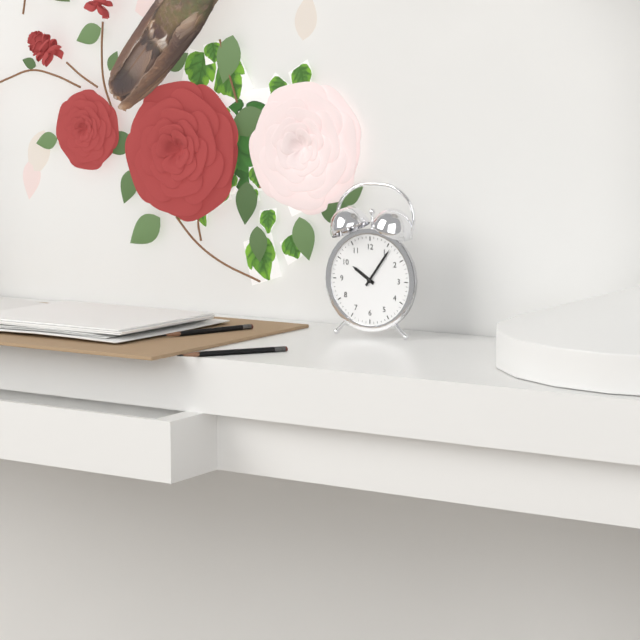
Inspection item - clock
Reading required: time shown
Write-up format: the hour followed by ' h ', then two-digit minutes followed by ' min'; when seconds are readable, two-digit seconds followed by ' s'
10 h 06 min
